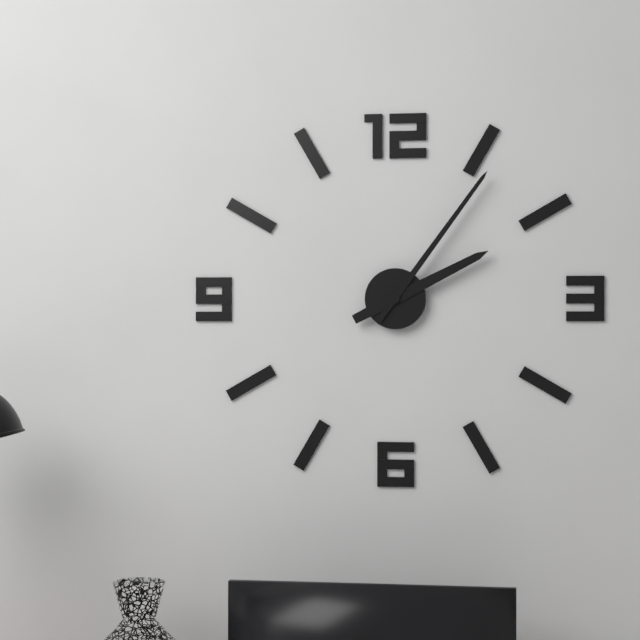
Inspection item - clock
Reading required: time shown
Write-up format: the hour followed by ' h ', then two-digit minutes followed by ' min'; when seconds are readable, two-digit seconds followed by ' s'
2 h 06 min
